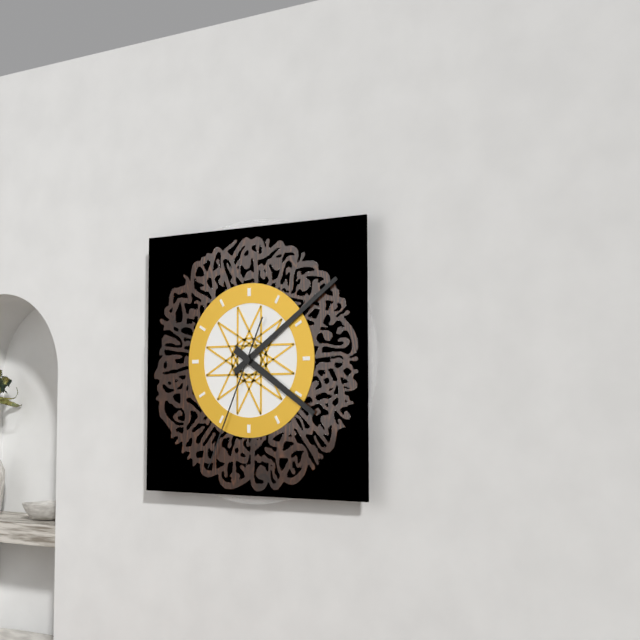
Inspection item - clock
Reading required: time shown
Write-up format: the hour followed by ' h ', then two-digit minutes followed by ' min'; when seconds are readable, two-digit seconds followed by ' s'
4 h 09 min 34 s
